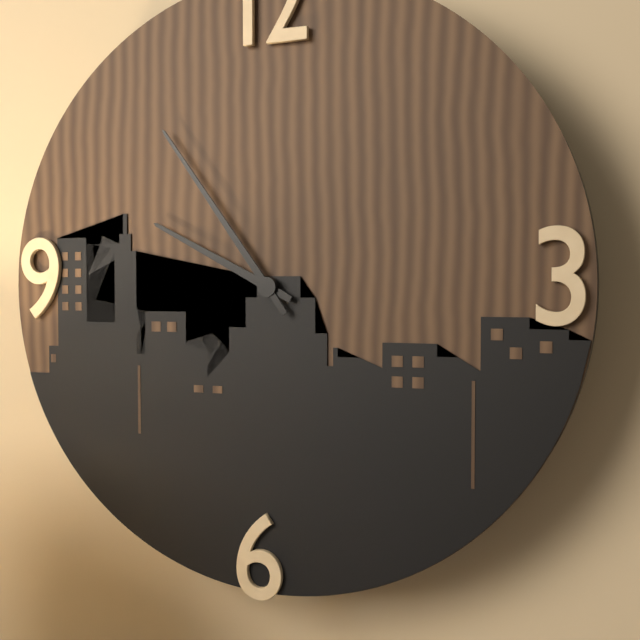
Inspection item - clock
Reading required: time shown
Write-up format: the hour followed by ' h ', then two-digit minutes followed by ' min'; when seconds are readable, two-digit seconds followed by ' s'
9 h 54 min
